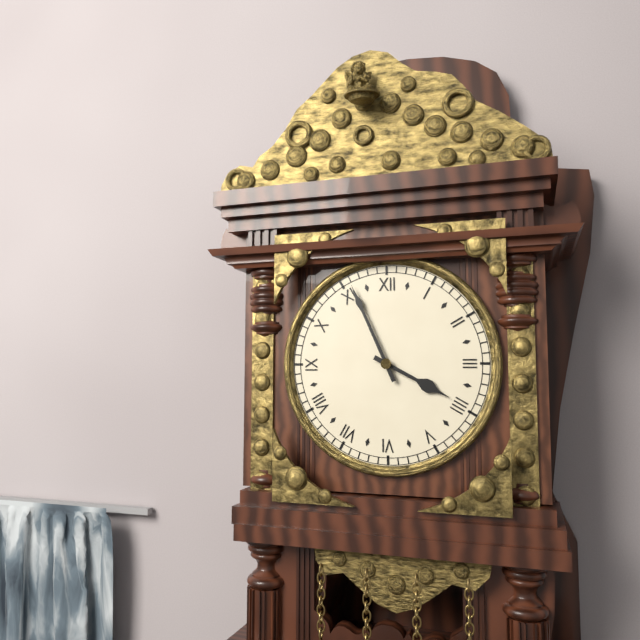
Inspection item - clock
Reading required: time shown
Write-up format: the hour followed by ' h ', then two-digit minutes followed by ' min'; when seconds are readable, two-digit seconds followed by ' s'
3 h 56 min
